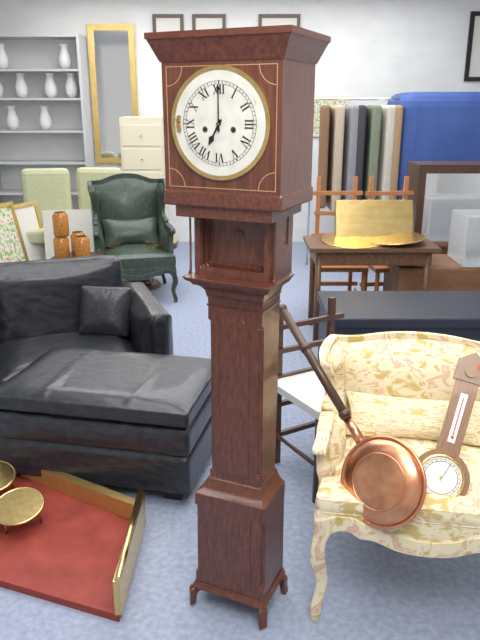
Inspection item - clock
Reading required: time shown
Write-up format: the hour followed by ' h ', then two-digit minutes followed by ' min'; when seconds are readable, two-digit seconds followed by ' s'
7 h 00 min
